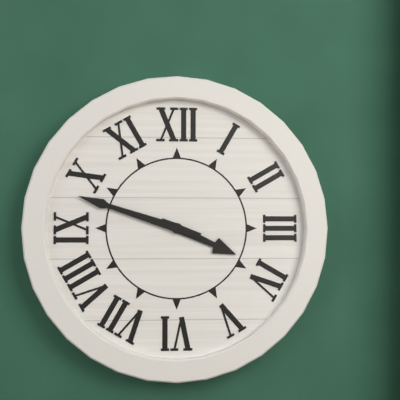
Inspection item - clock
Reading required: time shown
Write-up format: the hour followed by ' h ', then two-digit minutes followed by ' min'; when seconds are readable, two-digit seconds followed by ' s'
3 h 48 min
